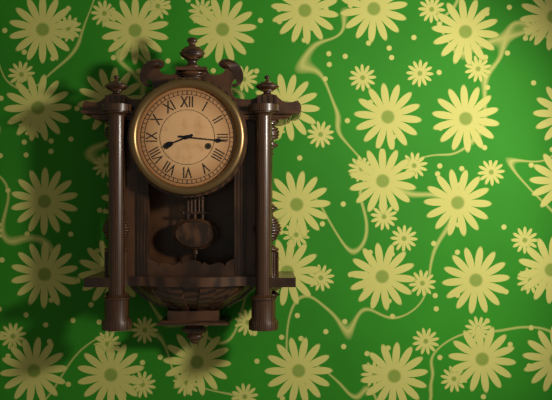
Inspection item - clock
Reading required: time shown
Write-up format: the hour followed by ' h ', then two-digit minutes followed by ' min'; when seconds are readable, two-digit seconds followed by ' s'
8 h 16 min
